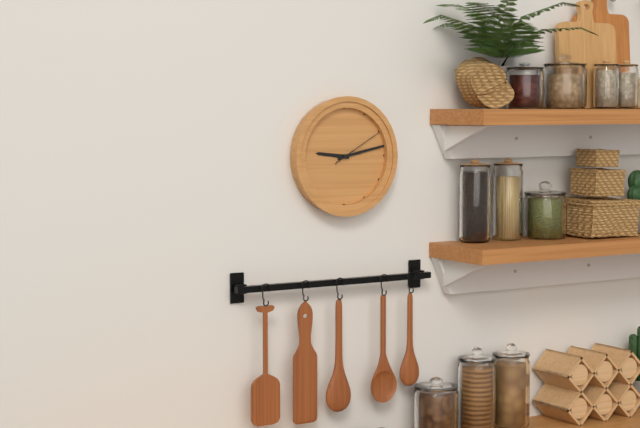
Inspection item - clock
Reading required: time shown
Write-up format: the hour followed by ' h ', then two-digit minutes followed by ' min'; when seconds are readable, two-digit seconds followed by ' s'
9 h 13 min 10 s
